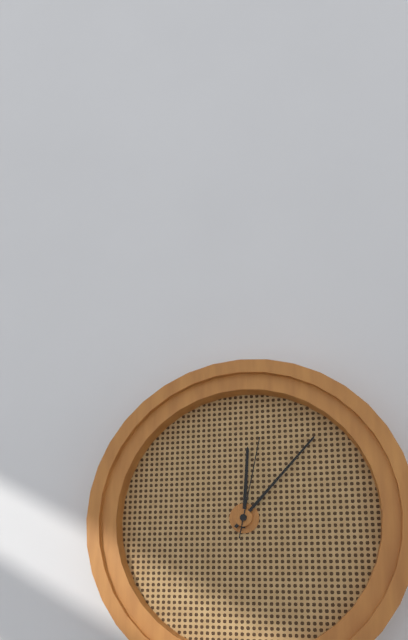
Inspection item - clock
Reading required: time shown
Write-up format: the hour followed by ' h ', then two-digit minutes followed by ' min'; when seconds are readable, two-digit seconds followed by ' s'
12 h 07 min 02 s
